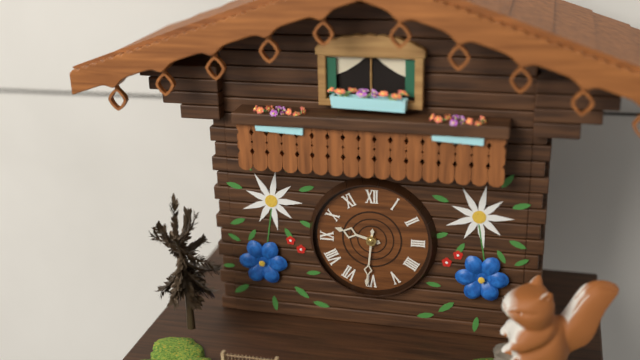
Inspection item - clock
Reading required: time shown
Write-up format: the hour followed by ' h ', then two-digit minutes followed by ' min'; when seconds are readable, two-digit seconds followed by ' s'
9 h 31 min
